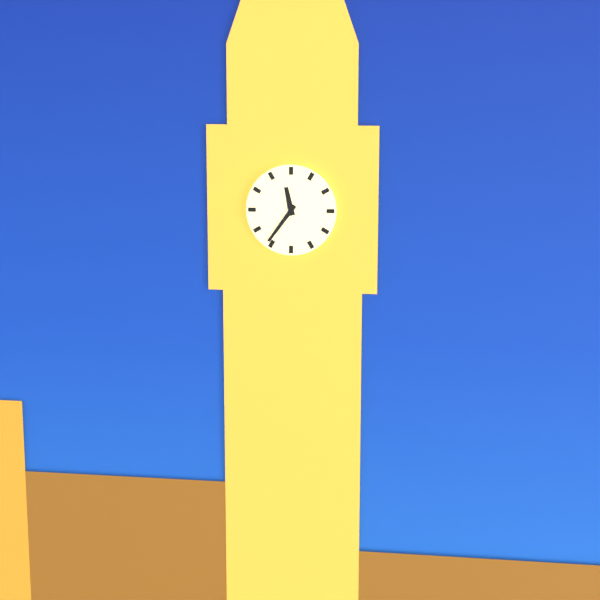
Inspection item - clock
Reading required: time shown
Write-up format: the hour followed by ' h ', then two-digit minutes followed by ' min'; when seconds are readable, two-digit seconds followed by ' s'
11 h 36 min
